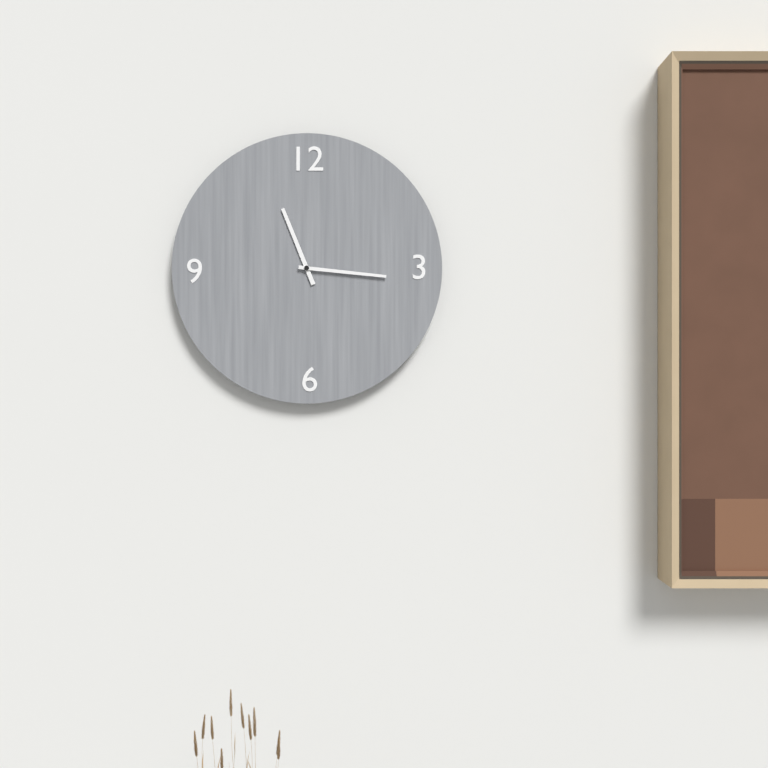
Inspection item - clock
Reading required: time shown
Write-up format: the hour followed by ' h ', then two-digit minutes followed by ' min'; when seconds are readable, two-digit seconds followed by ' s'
11 h 16 min
